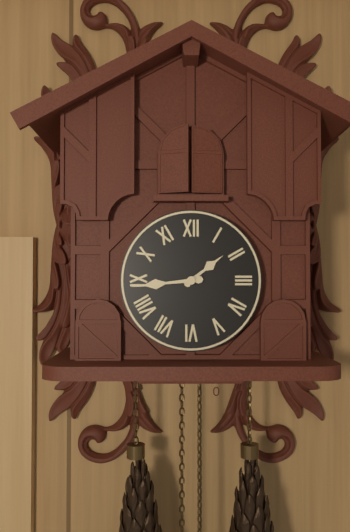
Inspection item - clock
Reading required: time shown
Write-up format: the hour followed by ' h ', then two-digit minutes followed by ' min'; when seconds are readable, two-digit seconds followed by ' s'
1 h 44 min
